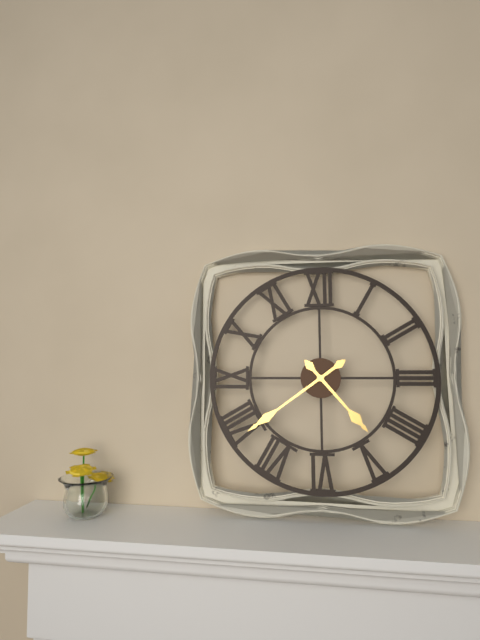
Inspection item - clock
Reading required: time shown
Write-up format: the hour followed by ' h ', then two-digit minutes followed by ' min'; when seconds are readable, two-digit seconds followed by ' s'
4 h 39 min
